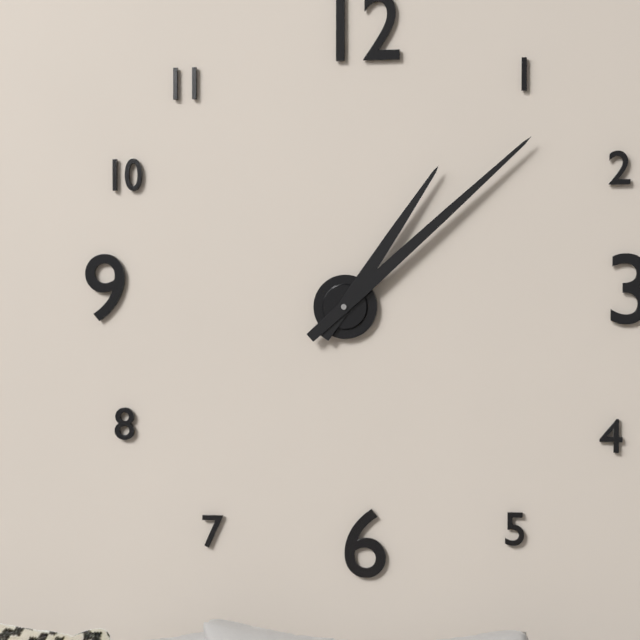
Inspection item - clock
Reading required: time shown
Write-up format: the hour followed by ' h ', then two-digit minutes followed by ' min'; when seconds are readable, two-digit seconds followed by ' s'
1 h 08 min
